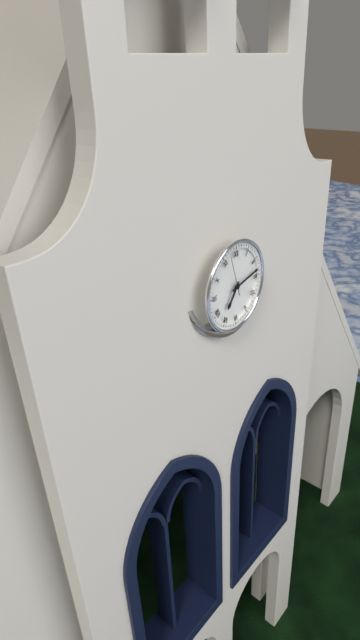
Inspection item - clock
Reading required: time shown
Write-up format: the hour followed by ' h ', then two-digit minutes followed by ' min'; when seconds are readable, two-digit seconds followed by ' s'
7 h 13 min
